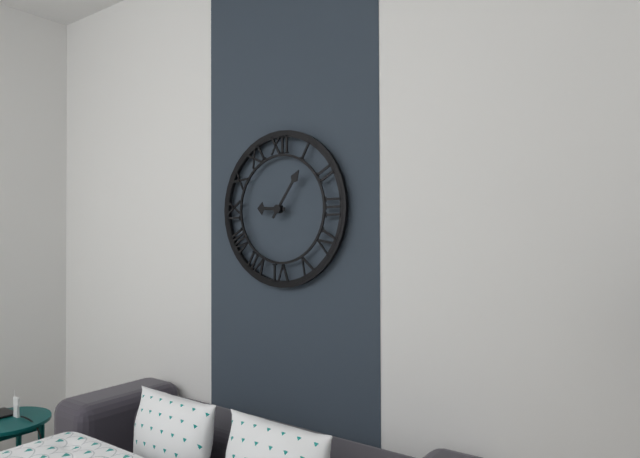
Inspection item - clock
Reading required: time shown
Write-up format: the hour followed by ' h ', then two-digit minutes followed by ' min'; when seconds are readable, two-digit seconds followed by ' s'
9 h 06 min
